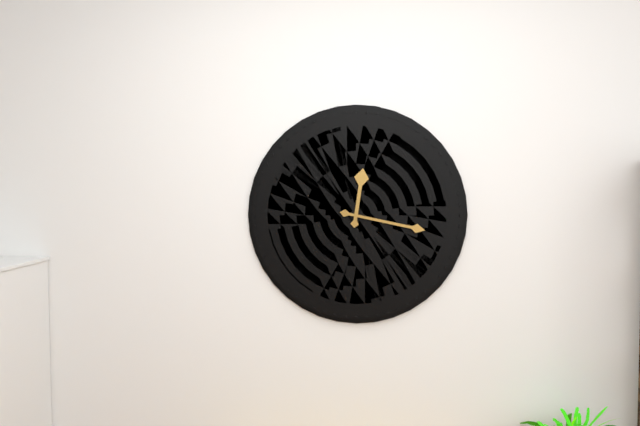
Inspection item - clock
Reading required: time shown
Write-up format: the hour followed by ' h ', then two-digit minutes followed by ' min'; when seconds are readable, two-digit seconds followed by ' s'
12 h 17 min
